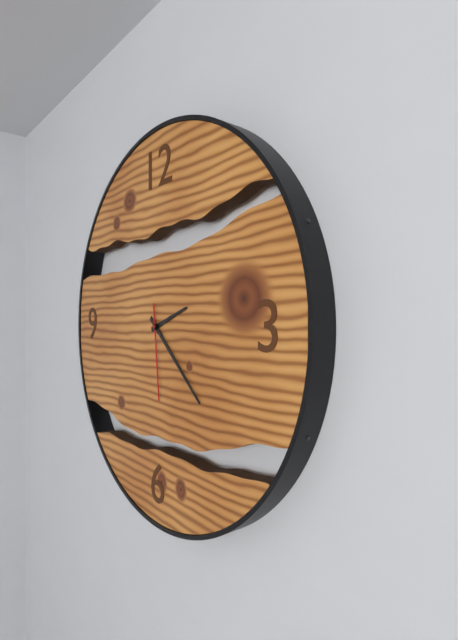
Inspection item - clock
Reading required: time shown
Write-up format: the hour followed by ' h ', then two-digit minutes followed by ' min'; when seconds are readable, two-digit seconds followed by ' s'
2 h 22 min 29 s
